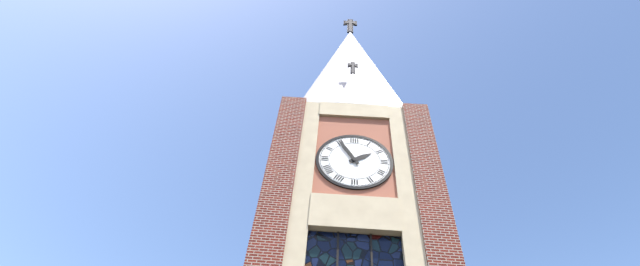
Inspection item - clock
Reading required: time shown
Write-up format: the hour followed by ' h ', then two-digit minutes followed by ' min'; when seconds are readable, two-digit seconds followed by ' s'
1 h 55 min
